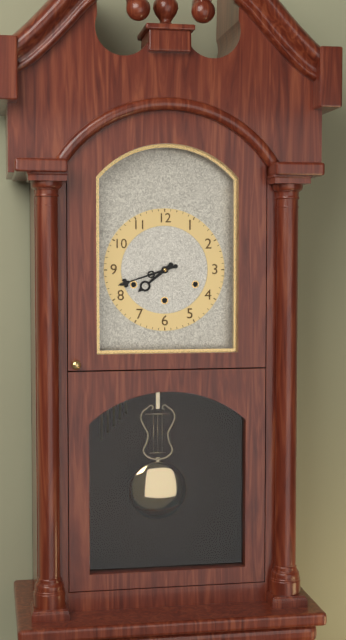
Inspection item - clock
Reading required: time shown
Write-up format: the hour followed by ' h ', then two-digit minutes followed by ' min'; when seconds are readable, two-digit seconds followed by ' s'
7 h 42 min
